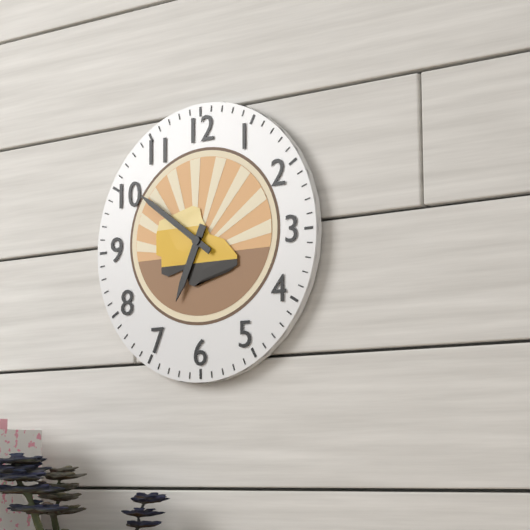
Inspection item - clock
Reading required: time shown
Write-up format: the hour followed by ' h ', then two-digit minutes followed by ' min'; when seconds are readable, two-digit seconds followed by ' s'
6 h 51 min
